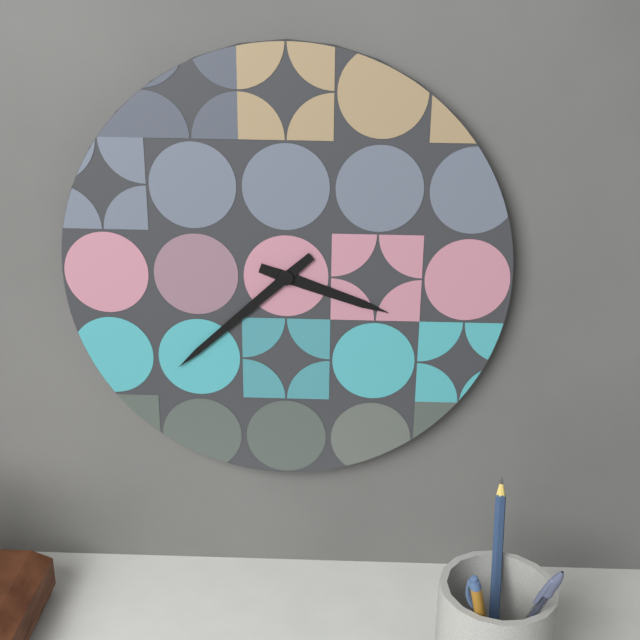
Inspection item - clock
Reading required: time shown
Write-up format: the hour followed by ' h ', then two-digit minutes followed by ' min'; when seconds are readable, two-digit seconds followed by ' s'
3 h 38 min
